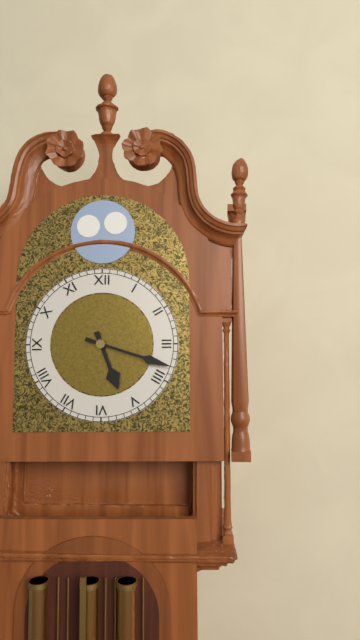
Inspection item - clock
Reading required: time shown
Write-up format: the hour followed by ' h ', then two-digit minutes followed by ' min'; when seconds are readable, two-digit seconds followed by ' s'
5 h 18 min
